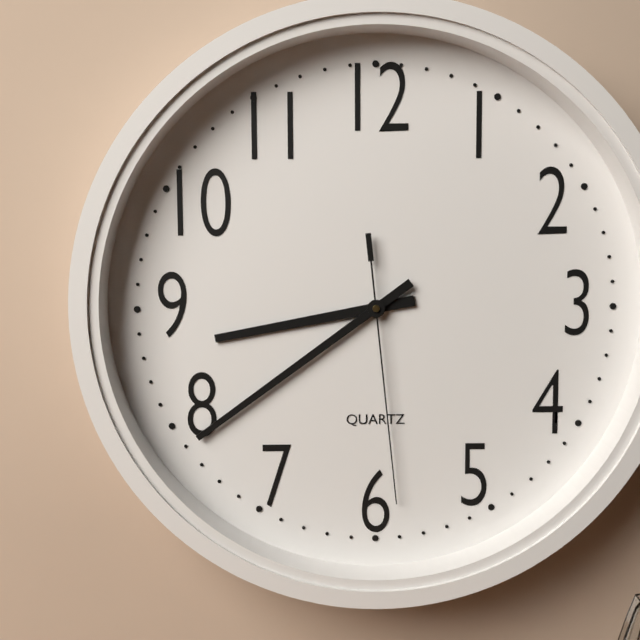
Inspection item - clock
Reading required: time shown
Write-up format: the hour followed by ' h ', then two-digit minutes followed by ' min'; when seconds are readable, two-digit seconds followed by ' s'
8 h 39 min 29 s
